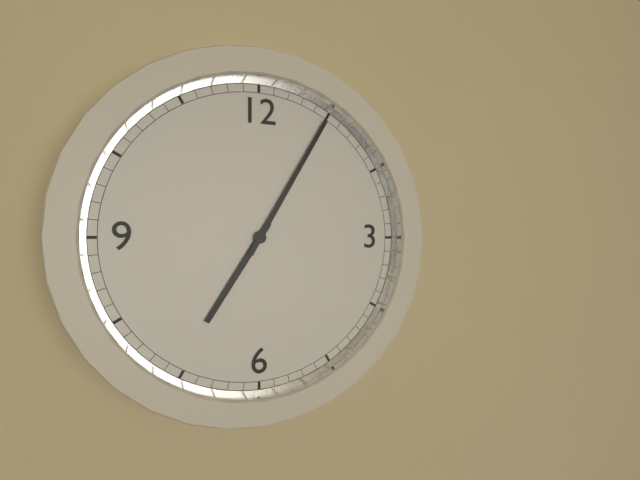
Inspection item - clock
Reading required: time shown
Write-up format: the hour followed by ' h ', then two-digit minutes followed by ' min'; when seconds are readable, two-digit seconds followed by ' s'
7 h 05 min
